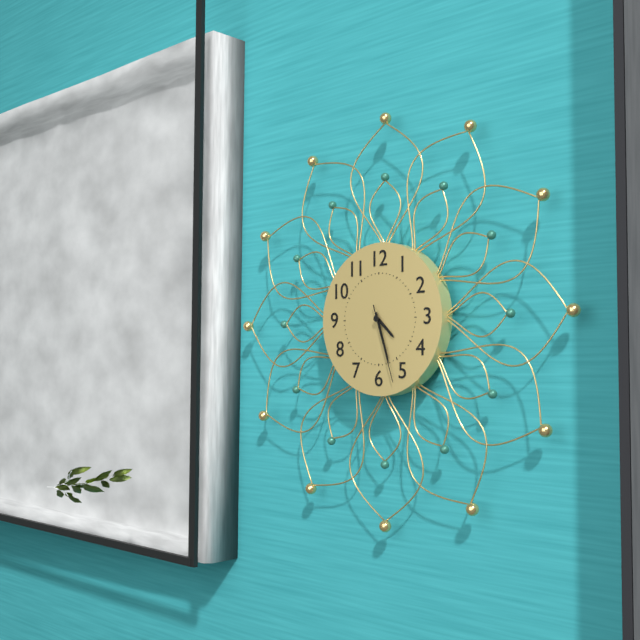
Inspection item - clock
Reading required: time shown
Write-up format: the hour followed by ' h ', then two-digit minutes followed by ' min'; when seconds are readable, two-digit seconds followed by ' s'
4 h 27 min 27 s
